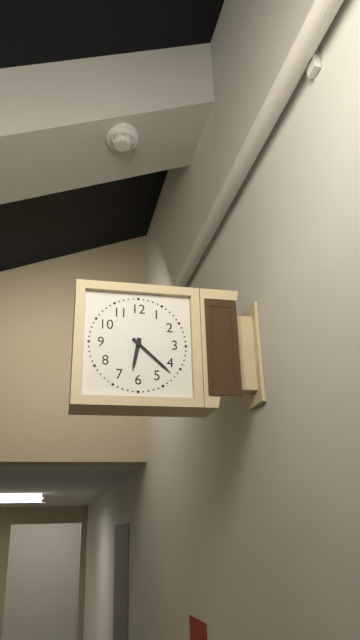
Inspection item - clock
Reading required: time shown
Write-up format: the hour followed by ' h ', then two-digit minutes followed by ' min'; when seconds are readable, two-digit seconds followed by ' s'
6 h 22 min
